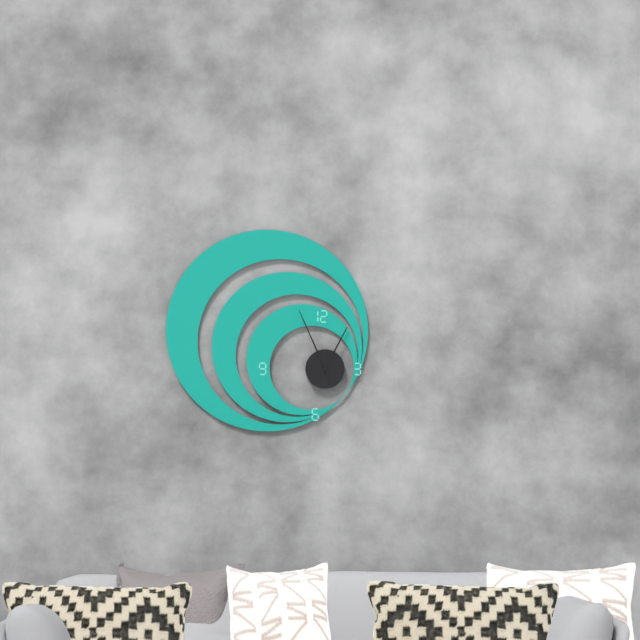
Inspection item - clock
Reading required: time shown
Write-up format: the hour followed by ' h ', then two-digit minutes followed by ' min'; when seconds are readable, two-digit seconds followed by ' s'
12 h 56 min
